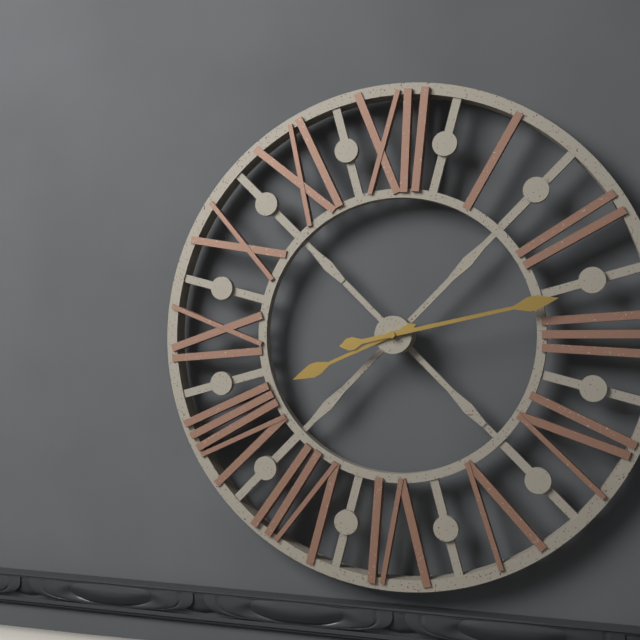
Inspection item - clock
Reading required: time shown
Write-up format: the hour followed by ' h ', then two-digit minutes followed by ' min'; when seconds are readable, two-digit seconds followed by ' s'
8 h 13 min
